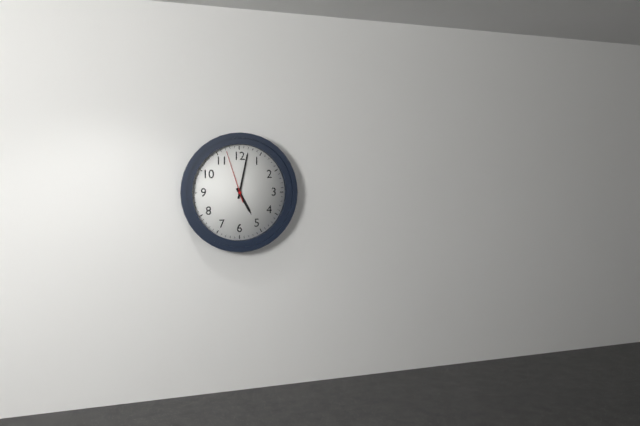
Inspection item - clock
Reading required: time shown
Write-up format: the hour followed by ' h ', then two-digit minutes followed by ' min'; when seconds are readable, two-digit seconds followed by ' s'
5 h 02 min 57 s
